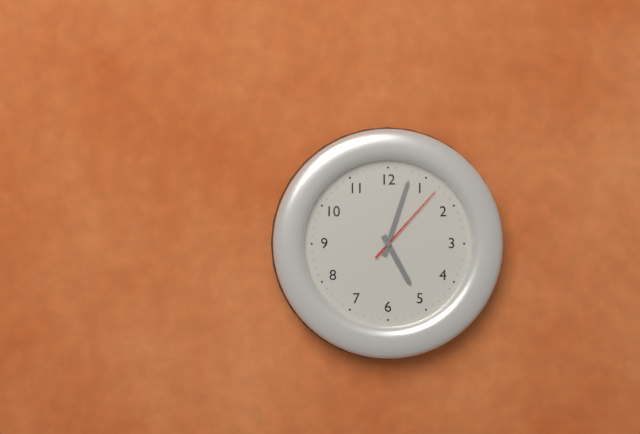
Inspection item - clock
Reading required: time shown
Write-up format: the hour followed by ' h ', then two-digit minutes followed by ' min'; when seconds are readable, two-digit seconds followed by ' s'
5 h 03 min 07 s
